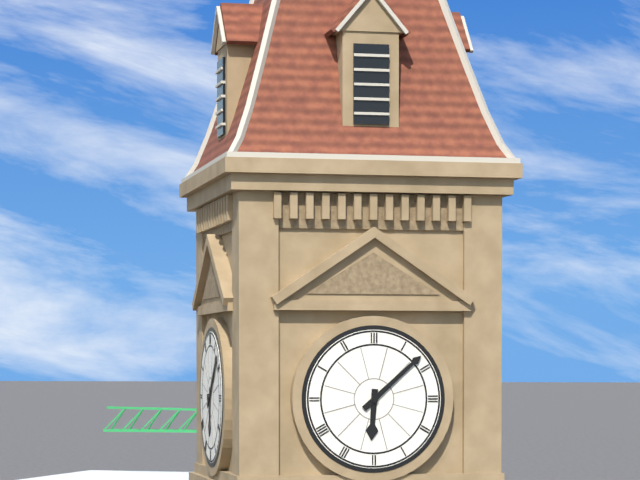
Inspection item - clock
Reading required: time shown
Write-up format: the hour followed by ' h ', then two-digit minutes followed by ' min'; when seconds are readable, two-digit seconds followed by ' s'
6 h 08 min
